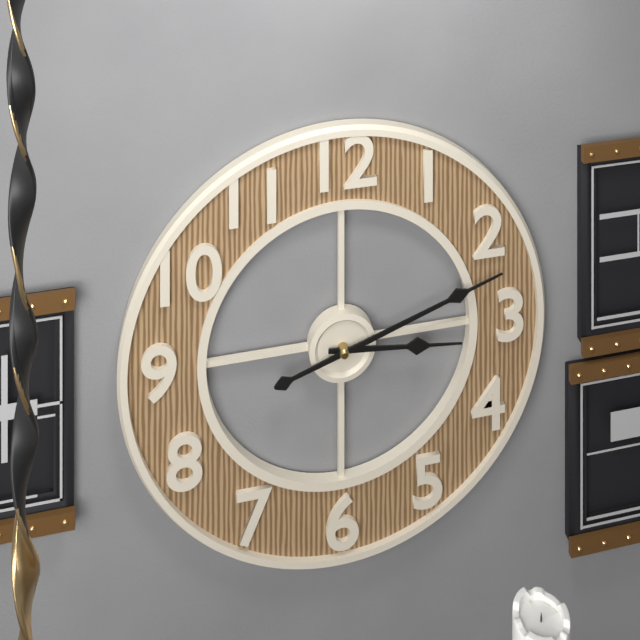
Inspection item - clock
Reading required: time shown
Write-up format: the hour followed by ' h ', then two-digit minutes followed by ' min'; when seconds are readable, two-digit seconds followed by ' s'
3 h 12 min
